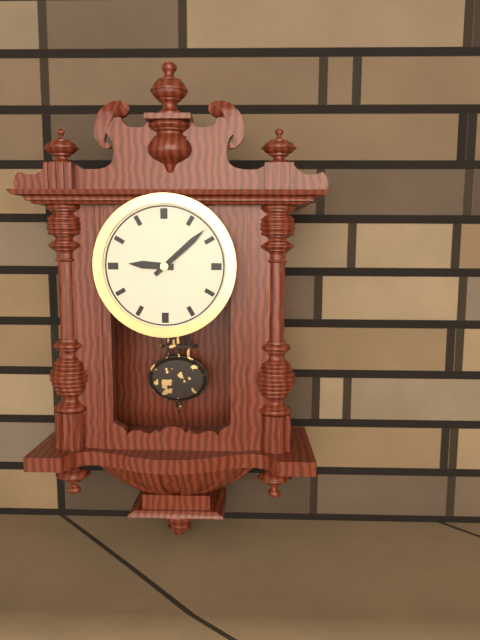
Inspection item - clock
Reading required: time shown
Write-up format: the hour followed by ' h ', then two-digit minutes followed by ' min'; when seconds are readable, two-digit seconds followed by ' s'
9 h 08 min
